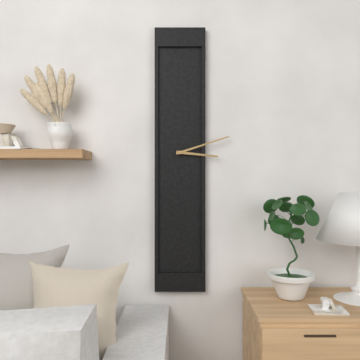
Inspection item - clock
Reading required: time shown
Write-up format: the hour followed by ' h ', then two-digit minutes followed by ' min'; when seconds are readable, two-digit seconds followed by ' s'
3 h 12 min
